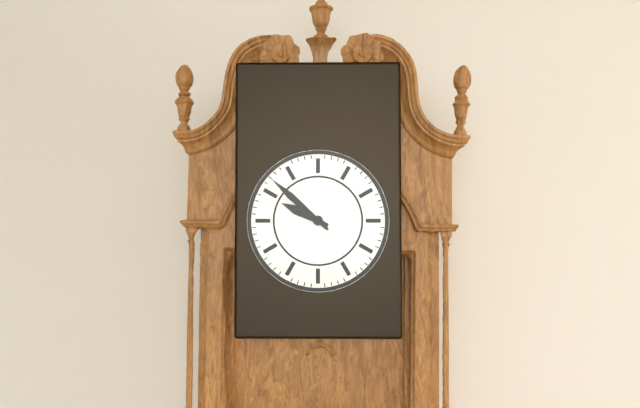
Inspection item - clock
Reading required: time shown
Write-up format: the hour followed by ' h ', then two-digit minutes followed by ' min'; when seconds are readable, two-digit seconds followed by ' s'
9 h 52 min
